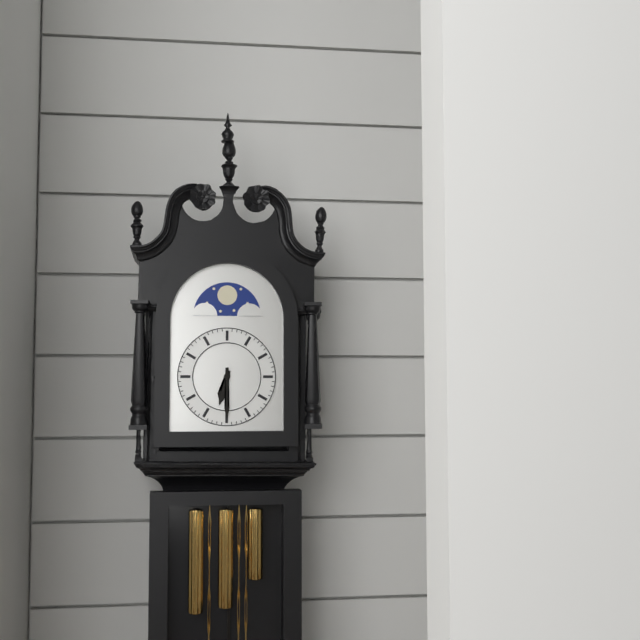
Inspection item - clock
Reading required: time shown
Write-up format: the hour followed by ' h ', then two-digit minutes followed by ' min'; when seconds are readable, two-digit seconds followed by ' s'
6 h 30 min
